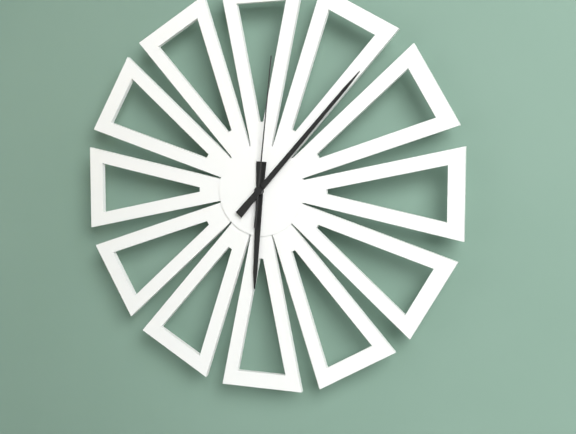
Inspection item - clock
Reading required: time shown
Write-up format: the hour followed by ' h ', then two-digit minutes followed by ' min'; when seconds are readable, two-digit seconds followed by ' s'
6 h 07 min 01 s
